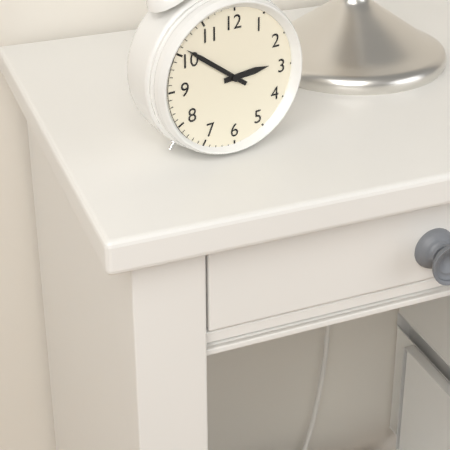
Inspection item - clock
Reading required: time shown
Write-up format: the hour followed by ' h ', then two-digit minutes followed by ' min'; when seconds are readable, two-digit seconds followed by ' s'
2 h 51 min
